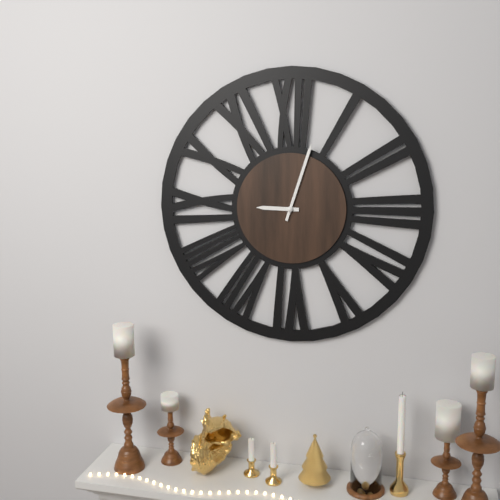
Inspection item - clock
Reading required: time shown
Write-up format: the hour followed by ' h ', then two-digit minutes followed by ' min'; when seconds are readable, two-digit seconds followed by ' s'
9 h 03 min
